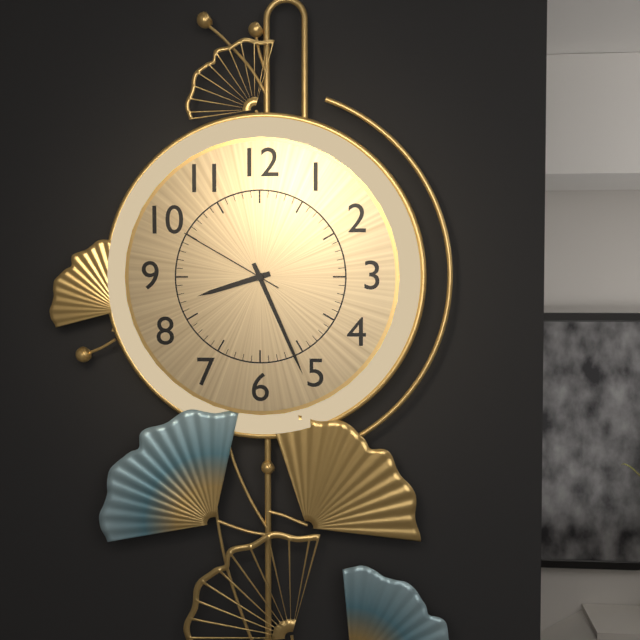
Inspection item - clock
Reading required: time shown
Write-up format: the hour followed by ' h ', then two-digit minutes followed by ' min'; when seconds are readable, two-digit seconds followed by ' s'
8 h 26 min 50 s
